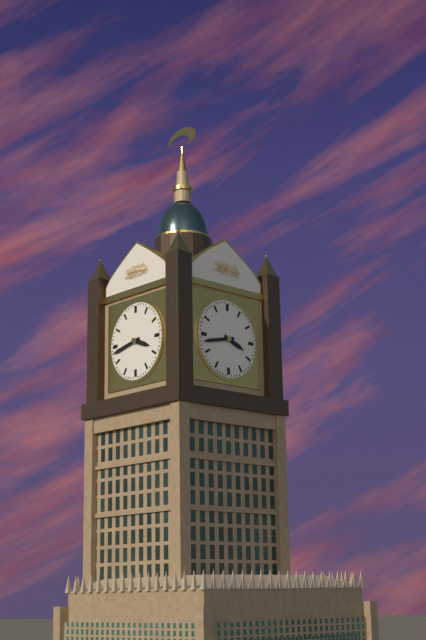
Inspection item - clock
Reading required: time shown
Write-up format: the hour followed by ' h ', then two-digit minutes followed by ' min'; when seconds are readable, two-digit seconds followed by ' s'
3 h 43 min
